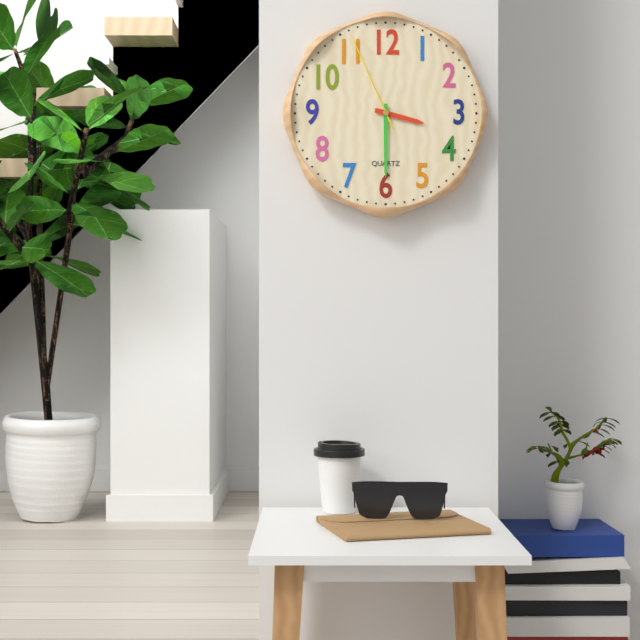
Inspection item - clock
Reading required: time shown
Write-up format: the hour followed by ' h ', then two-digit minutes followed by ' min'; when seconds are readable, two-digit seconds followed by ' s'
3 h 30 min 56 s
